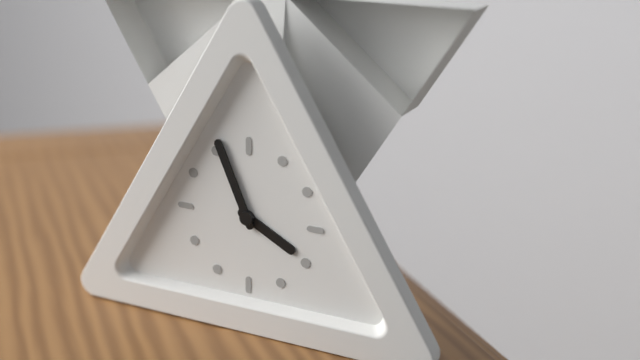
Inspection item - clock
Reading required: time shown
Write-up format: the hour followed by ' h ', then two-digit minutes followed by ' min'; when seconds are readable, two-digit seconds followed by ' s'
3 h 56 min
